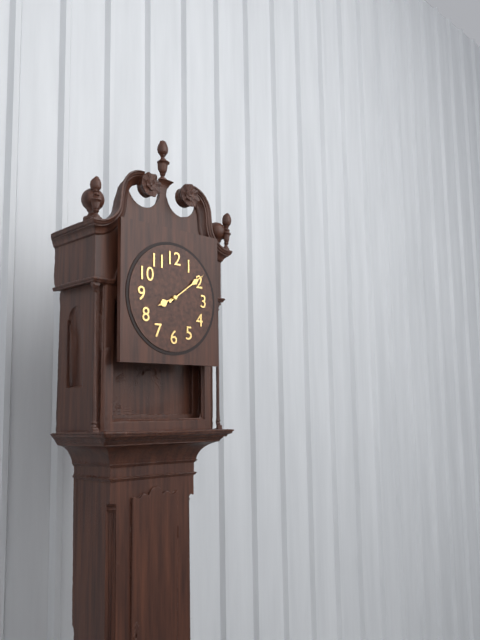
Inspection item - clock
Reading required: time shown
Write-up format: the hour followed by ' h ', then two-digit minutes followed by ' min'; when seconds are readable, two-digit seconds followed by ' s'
8 h 09 min
